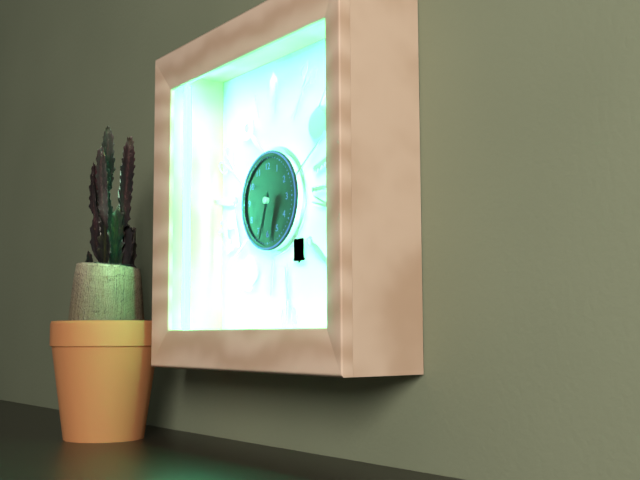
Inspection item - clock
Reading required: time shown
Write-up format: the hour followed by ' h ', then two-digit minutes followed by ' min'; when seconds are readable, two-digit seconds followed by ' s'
6 h 33 min
